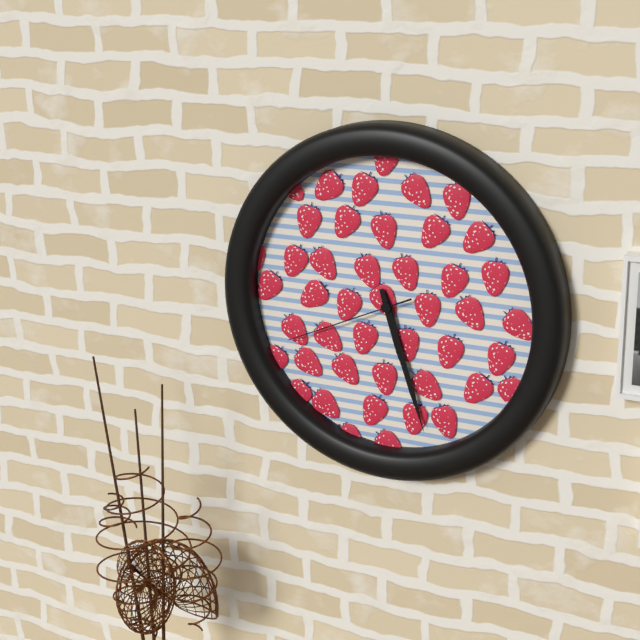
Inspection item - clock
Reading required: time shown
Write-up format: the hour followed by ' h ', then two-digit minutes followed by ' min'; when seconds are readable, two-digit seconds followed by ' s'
5 h 27 min 41 s
